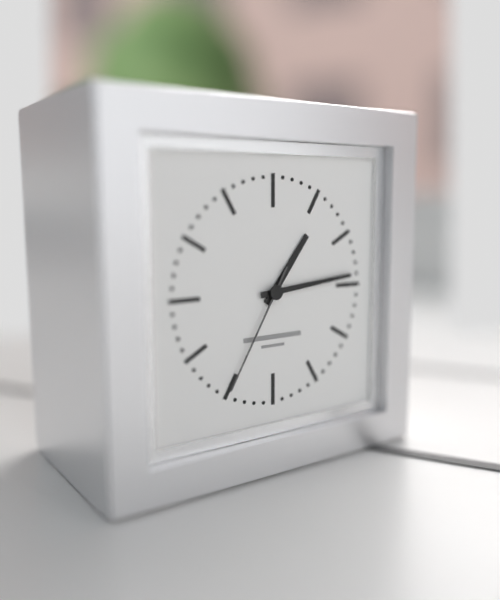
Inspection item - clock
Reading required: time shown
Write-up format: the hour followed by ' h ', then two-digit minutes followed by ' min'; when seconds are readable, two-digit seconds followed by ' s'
1 h 14 min 35 s
